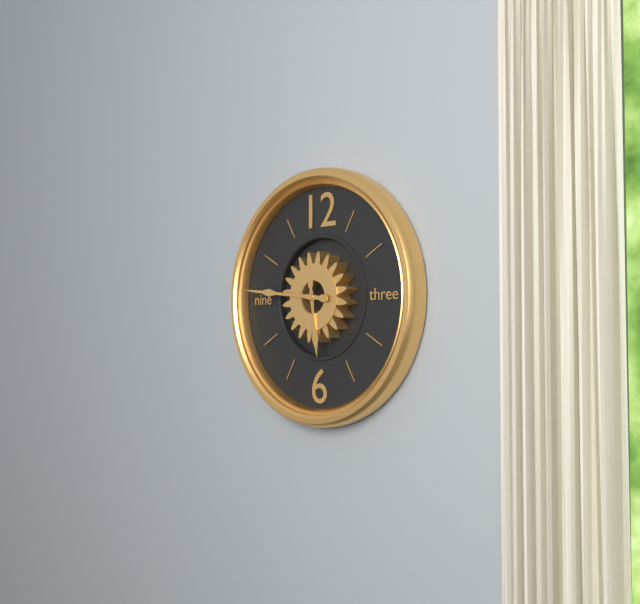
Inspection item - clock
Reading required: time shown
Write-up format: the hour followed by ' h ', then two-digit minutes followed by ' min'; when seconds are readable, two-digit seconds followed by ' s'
5 h 46 min
